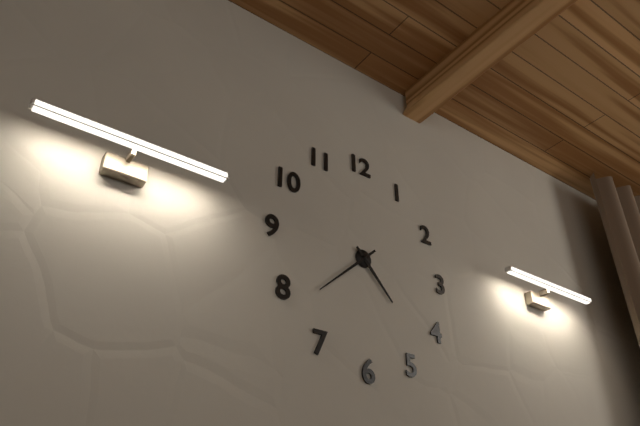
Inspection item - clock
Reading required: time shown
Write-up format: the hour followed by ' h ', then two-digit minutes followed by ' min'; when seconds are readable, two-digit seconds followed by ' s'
4 h 38 min
